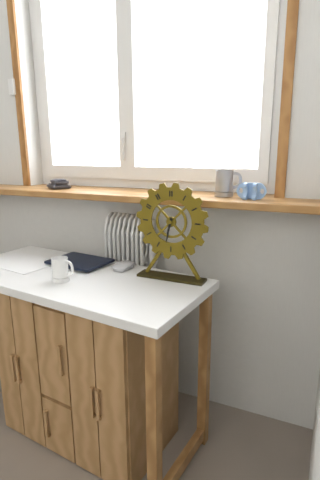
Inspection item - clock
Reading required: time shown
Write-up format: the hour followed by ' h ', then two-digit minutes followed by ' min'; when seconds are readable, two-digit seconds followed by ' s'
6 h 32 min
